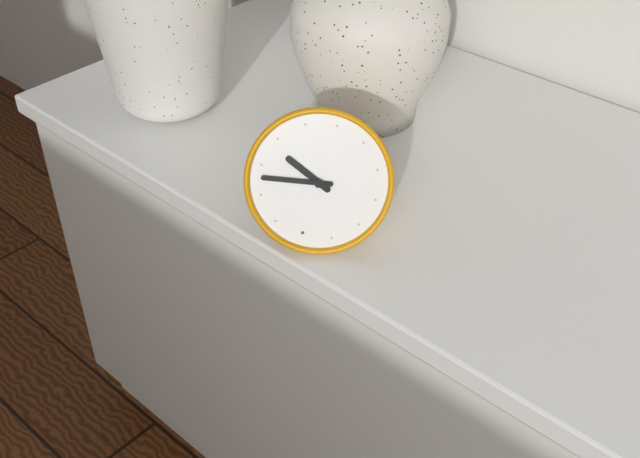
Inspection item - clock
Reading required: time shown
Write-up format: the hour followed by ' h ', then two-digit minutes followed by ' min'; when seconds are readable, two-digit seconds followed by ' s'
9 h 43 min
